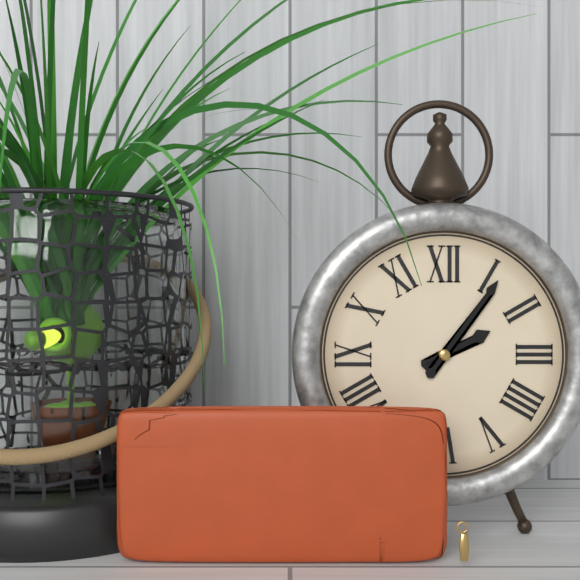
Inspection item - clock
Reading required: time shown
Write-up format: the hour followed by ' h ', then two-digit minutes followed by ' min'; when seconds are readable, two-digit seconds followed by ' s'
2 h 06 min
